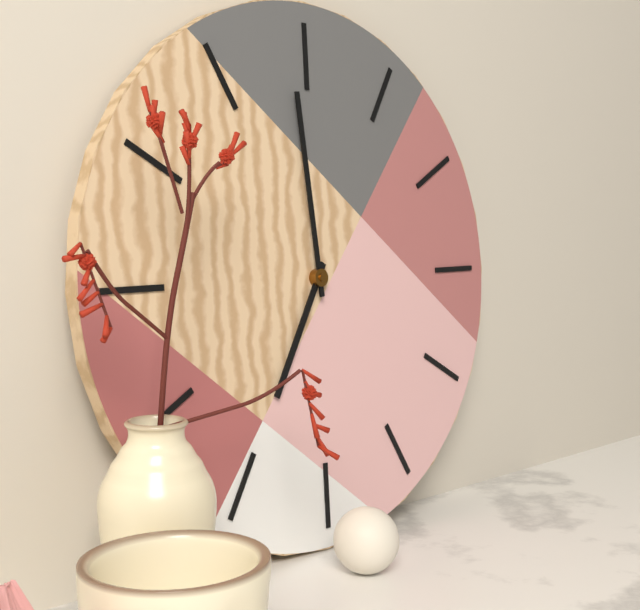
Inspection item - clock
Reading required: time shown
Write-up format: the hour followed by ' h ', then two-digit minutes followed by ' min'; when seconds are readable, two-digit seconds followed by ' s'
6 h 59 min
